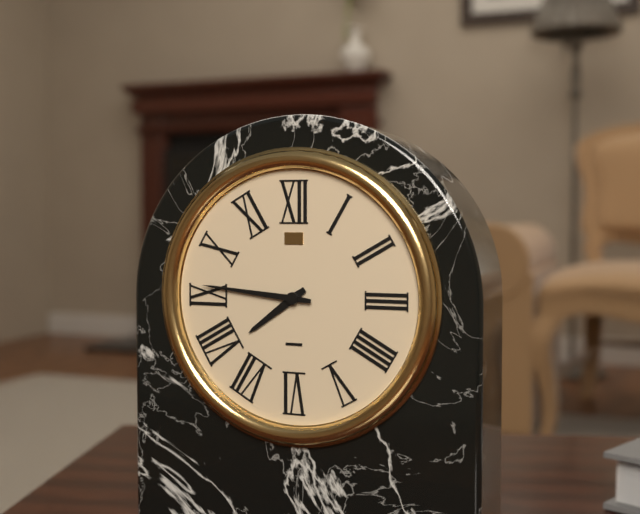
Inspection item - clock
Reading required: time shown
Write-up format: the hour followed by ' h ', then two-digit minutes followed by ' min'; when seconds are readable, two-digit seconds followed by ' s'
7 h 46 min
